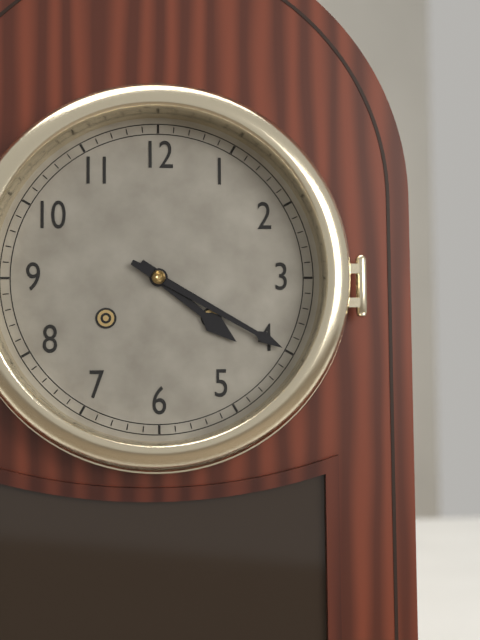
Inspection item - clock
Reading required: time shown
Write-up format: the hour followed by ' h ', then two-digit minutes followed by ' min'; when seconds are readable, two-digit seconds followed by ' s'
4 h 20 min
